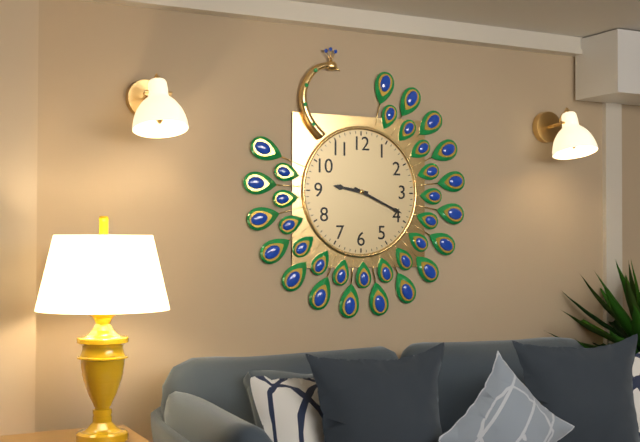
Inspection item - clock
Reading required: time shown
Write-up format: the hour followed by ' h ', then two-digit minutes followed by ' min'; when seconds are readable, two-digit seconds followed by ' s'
9 h 19 min
